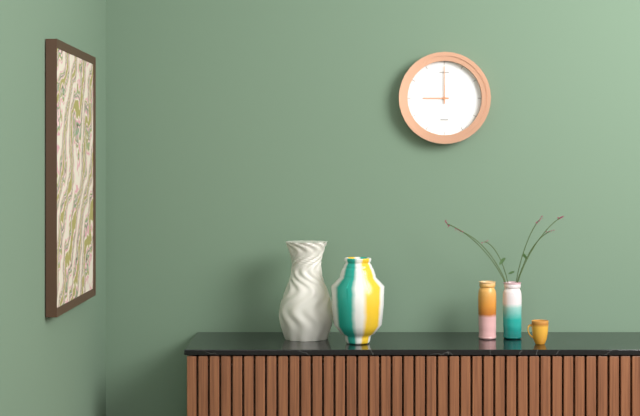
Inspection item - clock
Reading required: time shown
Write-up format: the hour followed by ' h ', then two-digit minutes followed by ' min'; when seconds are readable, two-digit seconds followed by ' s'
9 h 00 min
